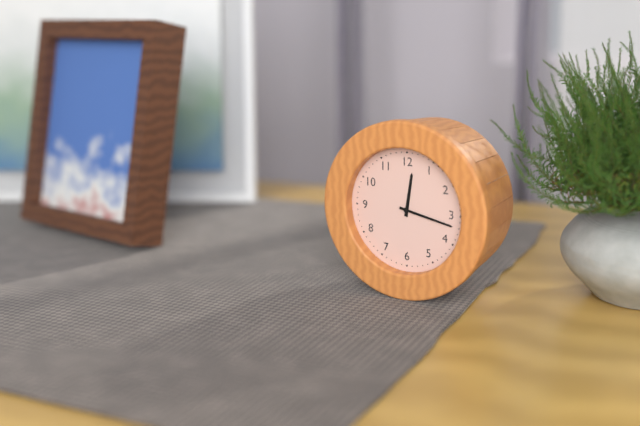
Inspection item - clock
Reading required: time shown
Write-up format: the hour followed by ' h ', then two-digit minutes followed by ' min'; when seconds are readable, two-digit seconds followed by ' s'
12 h 17 min
